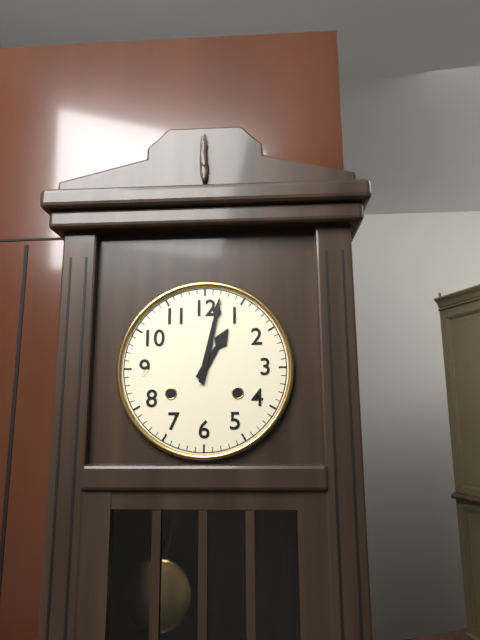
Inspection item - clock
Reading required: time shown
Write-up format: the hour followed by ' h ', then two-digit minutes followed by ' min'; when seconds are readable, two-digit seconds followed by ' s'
1 h 02 min
